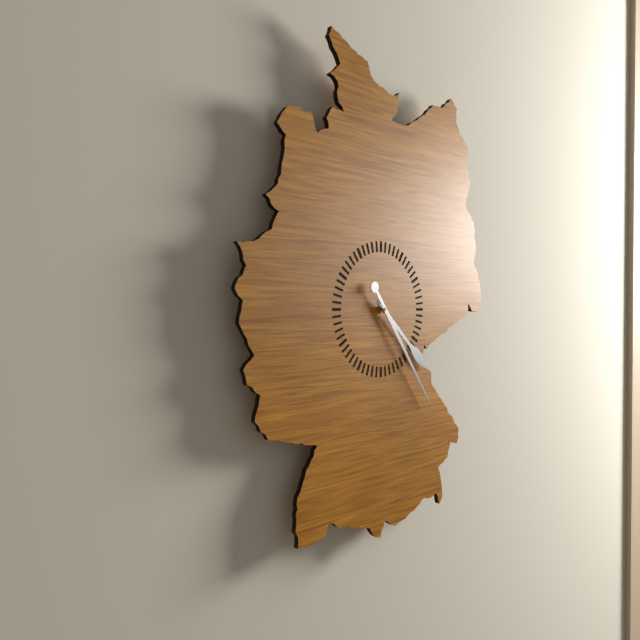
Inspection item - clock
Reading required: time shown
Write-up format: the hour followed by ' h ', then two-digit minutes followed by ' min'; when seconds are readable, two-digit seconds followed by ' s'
4 h 24 min
